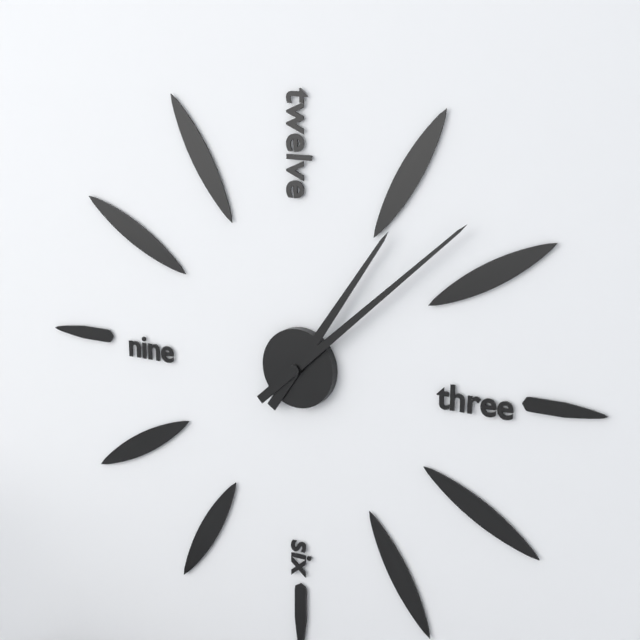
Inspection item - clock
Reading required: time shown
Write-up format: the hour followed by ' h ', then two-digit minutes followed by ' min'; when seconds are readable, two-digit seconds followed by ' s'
1 h 08 min
